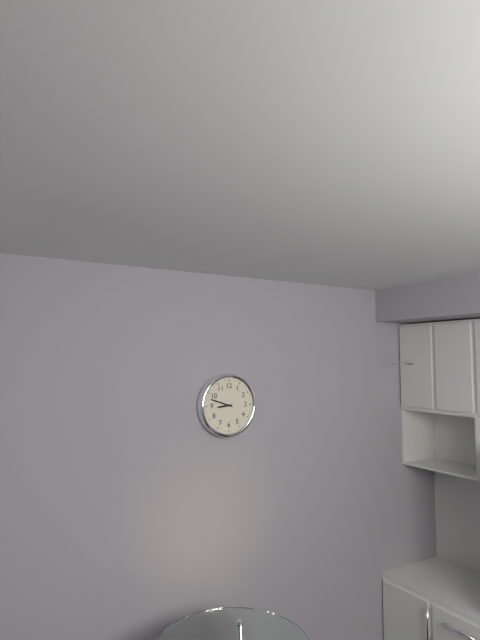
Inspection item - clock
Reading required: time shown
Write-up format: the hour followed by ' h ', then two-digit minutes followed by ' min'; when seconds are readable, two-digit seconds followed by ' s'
8 h 48 min
